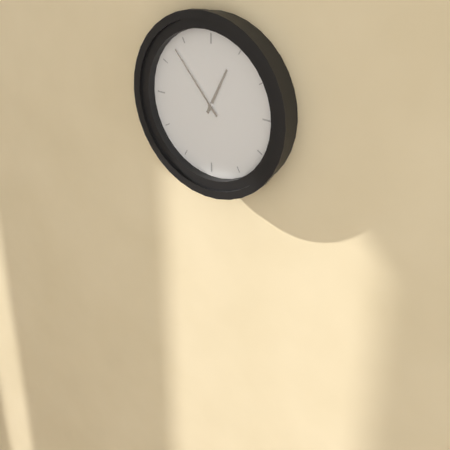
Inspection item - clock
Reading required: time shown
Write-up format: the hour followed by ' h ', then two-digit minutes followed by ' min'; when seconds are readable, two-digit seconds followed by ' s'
12 h 53 min
